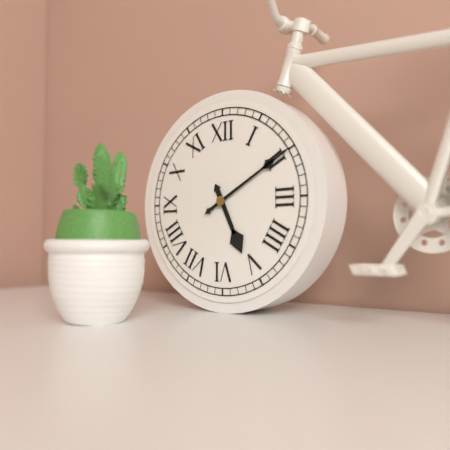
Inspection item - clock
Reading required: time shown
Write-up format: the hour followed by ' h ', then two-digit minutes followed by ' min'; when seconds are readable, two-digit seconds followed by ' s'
5 h 10 min
